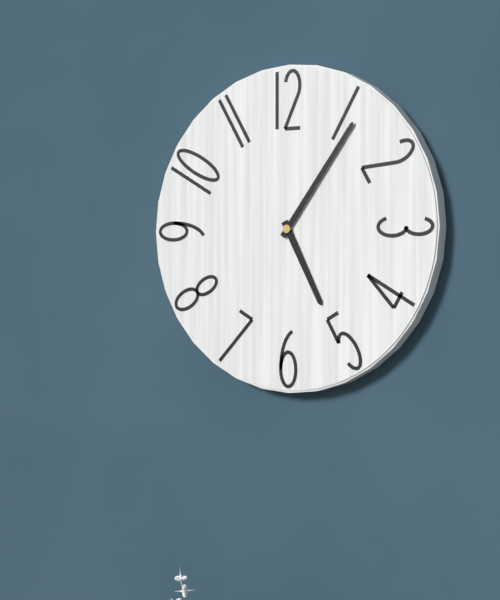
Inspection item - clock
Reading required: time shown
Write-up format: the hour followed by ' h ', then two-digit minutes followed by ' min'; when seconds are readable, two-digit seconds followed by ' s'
5 h 06 min
